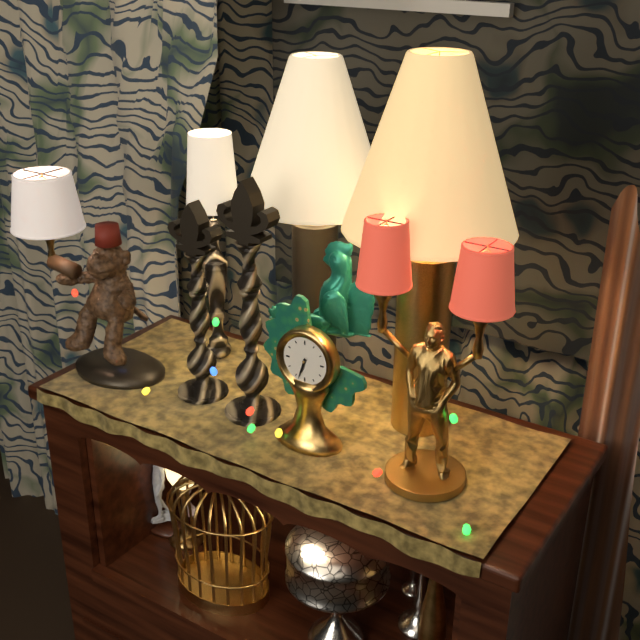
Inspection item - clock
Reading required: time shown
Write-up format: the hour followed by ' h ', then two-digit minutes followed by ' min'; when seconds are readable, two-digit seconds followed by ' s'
6 h 33 min
